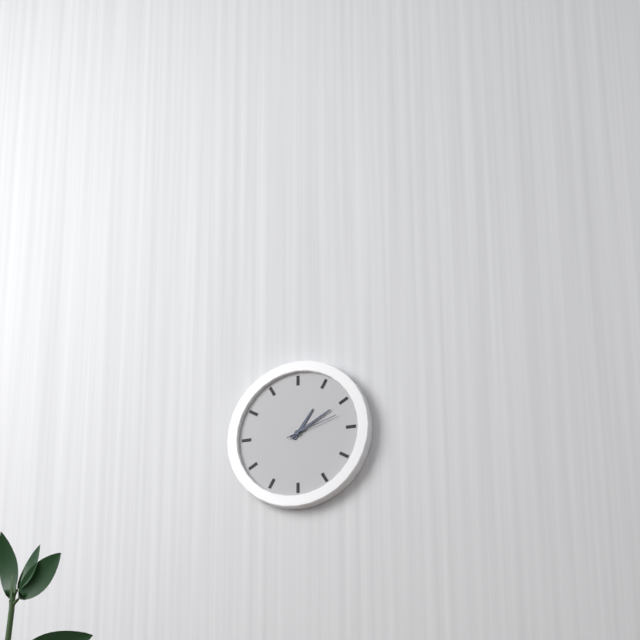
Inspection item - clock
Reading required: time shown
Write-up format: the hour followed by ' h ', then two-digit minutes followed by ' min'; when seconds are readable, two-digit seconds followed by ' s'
1 h 10 min 12 s
